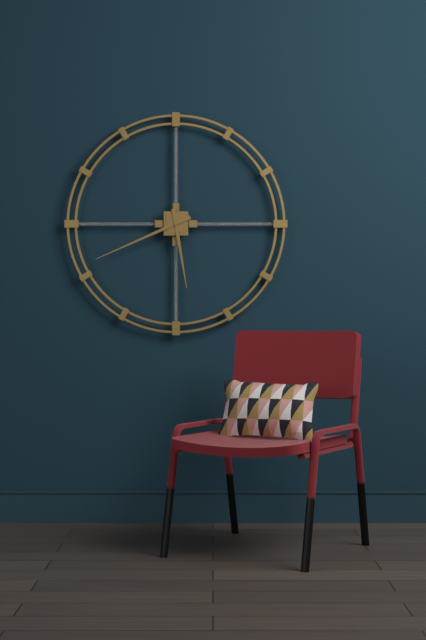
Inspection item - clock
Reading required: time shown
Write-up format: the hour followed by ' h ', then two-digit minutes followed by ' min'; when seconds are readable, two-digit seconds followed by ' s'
5 h 41 min
